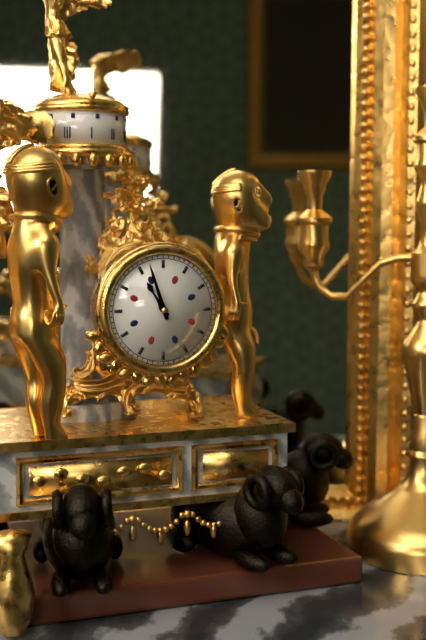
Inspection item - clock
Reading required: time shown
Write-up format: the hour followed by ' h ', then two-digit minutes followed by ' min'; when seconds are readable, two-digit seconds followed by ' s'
10 h 57 min
